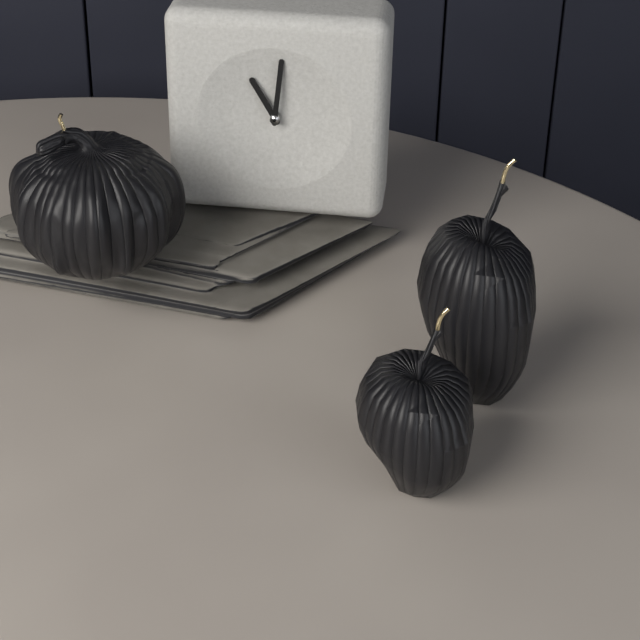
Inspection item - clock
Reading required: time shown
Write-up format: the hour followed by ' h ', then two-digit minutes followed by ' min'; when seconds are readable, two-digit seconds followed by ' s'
11 h 01 min
